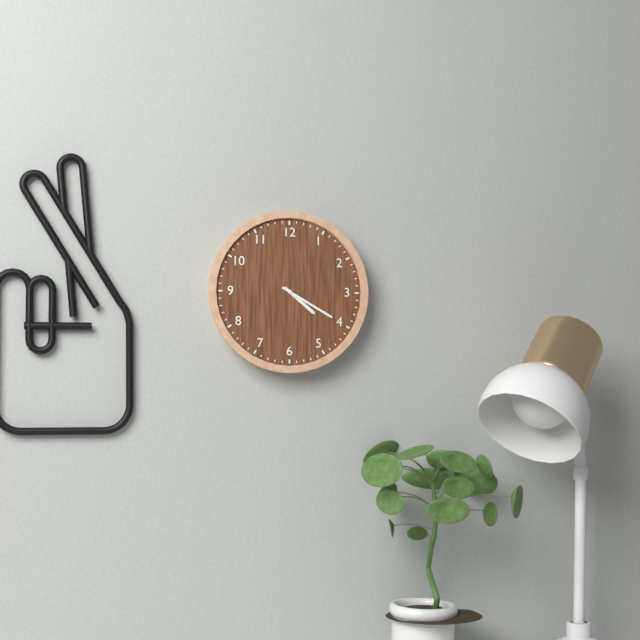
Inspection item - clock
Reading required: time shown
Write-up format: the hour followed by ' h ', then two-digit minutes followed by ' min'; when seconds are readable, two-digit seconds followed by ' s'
4 h 20 min
